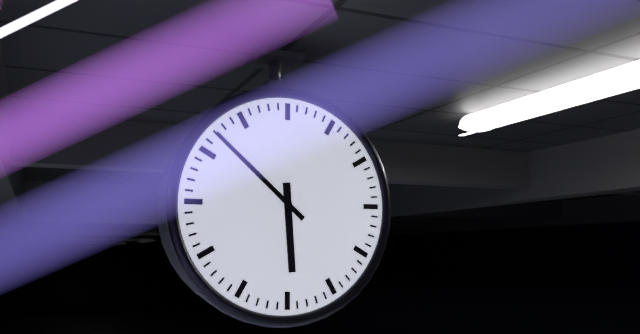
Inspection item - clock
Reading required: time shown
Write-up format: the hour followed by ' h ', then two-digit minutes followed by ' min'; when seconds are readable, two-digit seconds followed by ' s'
5 h 52 min
